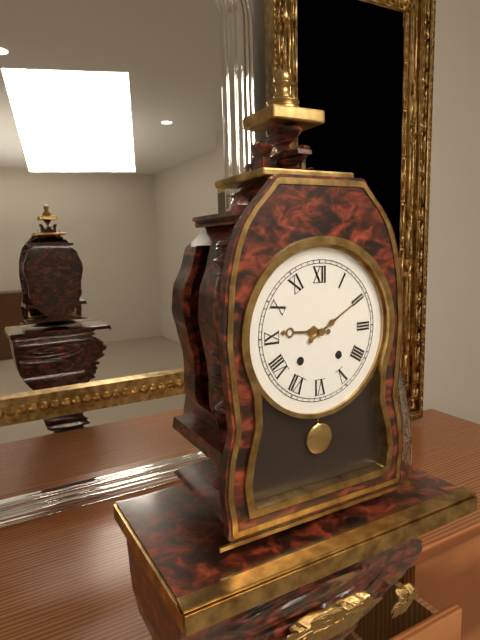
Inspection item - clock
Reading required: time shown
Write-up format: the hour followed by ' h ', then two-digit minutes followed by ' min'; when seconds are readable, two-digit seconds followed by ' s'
9 h 10 min
